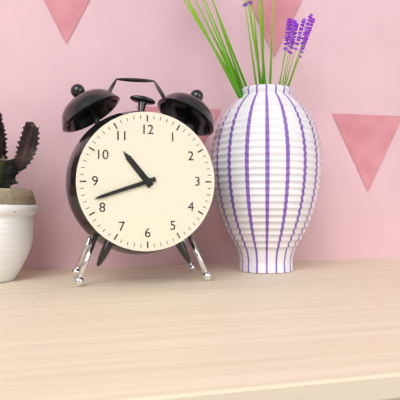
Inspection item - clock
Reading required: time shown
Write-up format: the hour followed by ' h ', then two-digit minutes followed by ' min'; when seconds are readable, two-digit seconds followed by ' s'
10 h 42 min
